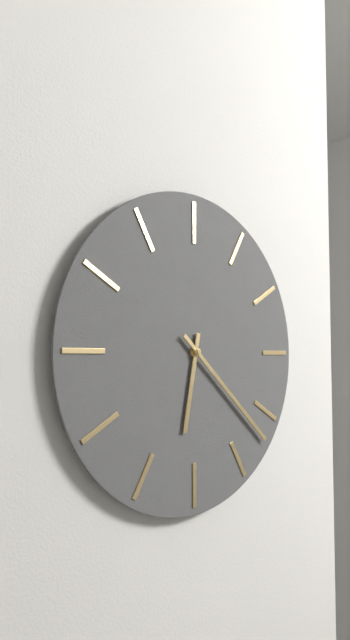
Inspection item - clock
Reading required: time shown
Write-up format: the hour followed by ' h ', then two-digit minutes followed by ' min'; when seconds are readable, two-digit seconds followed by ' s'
6 h 22 min
